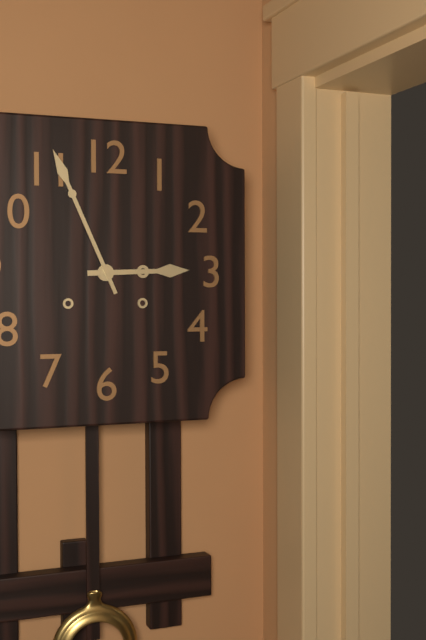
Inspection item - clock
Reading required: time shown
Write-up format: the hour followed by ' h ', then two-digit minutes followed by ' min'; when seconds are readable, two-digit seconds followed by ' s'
2 h 56 min
